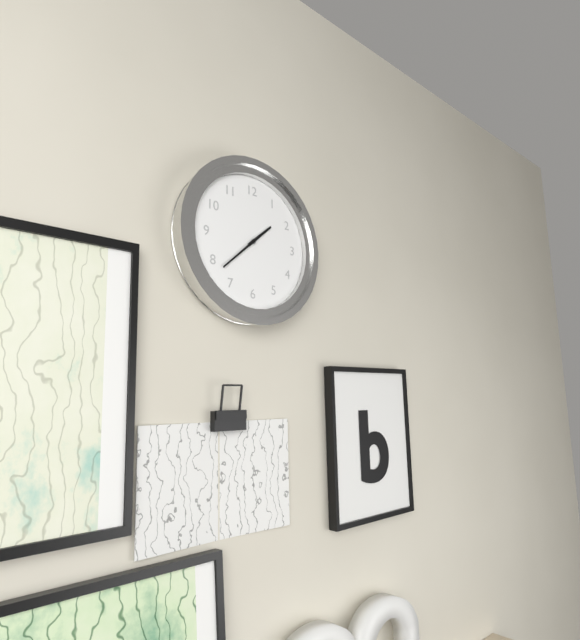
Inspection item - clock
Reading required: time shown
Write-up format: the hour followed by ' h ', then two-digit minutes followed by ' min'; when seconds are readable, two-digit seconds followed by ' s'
1 h 38 min
